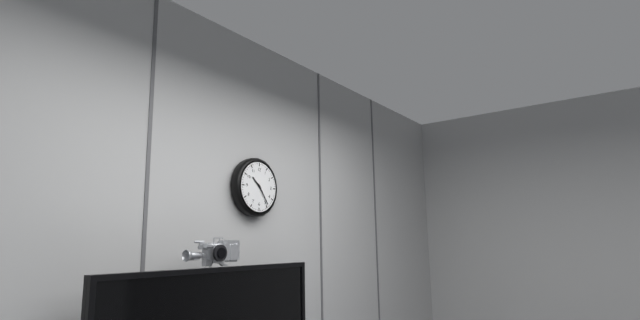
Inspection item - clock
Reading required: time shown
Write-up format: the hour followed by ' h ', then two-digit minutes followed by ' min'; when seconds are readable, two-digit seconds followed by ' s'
10 h 24 min
